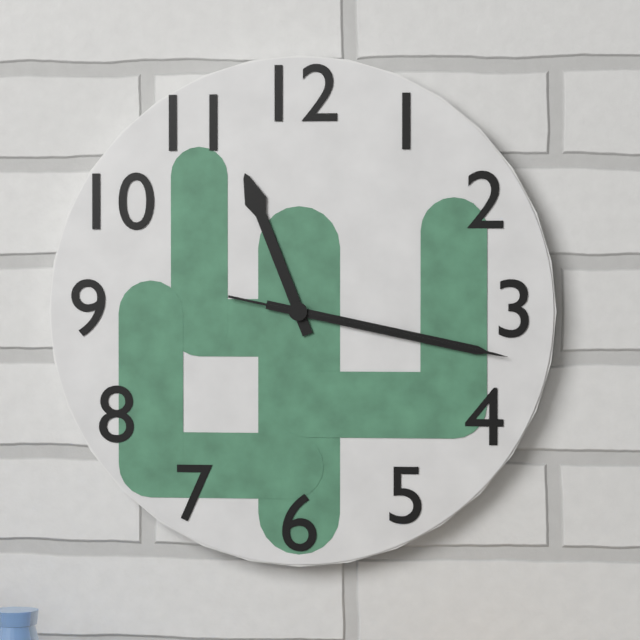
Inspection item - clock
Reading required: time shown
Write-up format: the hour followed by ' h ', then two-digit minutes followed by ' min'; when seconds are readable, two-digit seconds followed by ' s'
11 h 17 min 17 s
